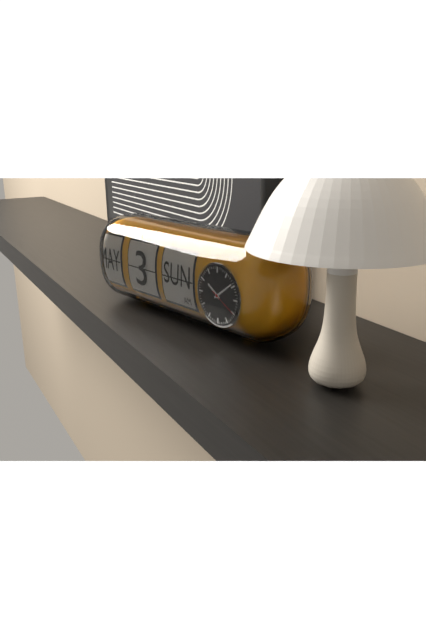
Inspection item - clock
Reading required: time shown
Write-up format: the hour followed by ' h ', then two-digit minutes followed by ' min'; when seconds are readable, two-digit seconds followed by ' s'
10 h 09 min
